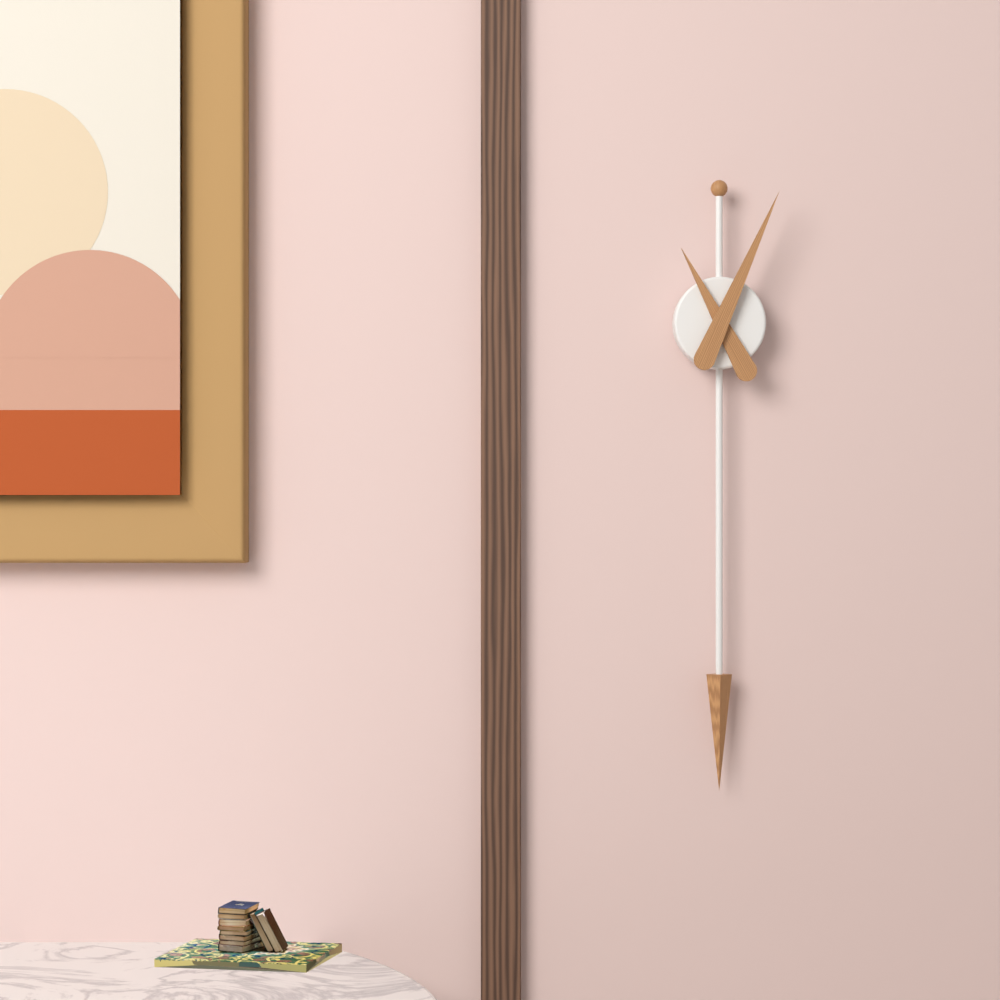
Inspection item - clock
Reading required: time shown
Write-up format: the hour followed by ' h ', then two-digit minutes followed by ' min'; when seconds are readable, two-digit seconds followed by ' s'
11 h 04 min
